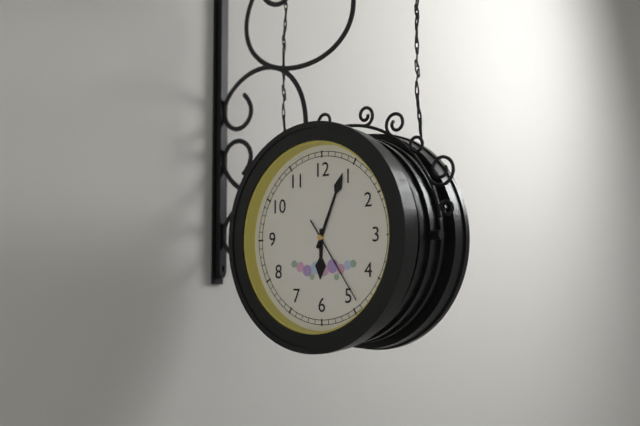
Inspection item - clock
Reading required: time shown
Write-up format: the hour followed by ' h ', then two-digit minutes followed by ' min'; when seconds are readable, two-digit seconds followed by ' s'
6 h 04 min 24 s
